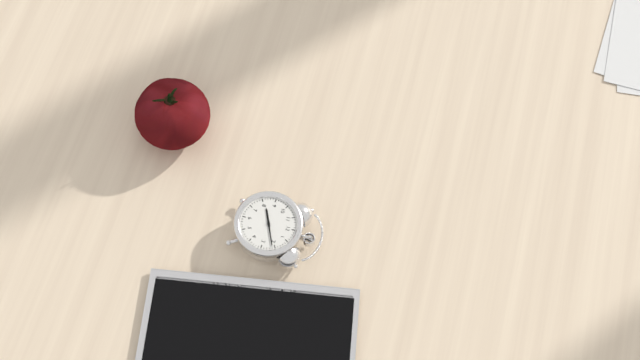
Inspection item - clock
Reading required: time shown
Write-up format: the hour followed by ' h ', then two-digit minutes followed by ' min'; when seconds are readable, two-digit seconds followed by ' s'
8 h 11 min
